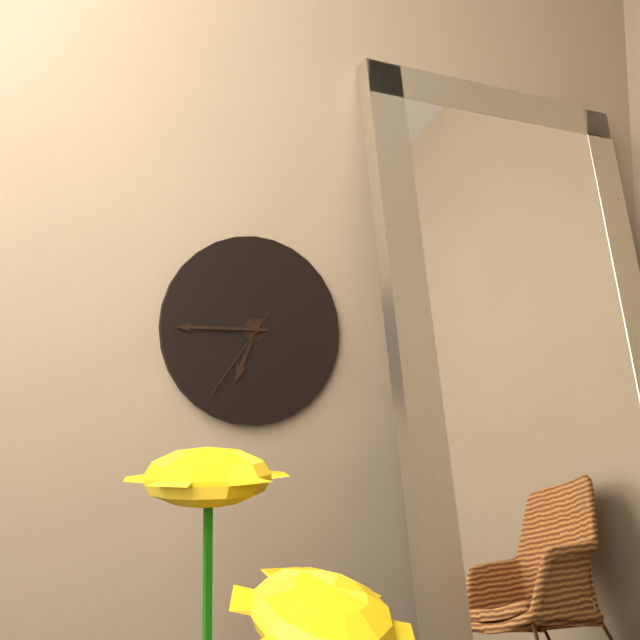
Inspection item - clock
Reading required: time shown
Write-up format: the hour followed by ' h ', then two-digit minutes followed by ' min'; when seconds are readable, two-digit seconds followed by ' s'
6 h 45 min 36 s
